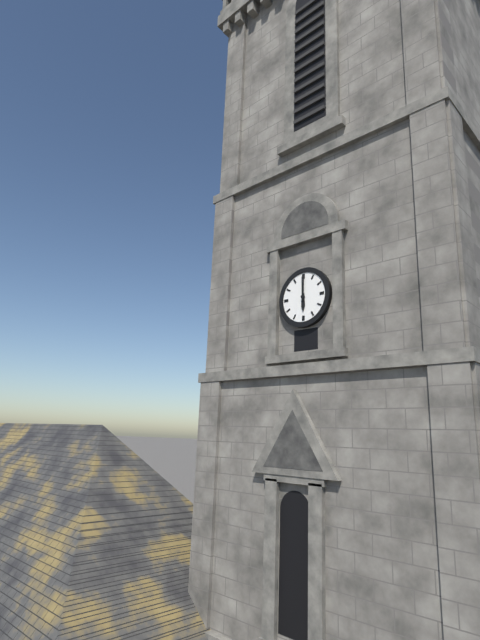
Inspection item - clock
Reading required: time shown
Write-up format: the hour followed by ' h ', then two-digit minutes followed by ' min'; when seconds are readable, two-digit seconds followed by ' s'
6 h 00 min
